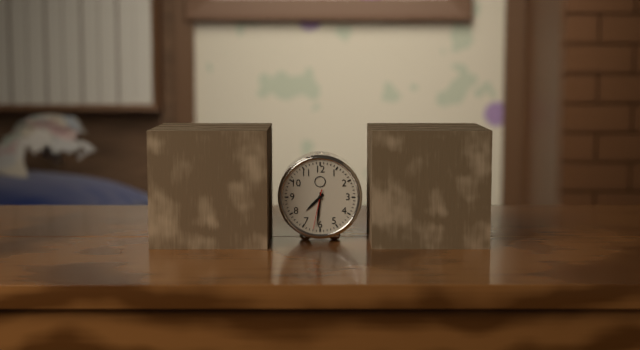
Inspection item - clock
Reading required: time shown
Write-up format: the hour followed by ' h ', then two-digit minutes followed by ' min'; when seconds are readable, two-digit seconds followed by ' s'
7 h 31 min
